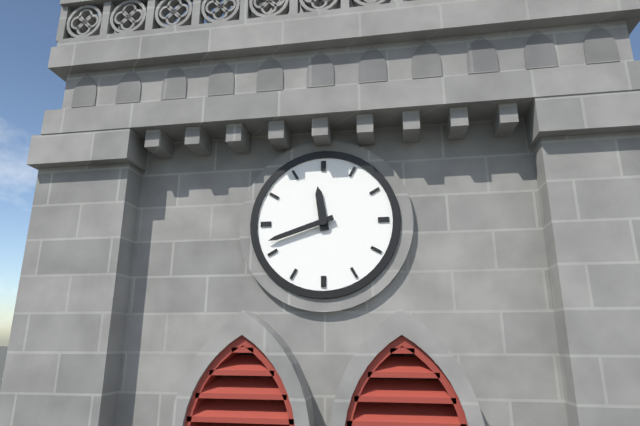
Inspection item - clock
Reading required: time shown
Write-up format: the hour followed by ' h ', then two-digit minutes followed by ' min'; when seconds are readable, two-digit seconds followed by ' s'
11 h 42 min
